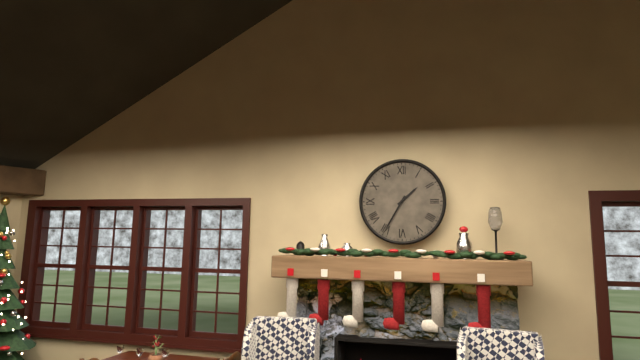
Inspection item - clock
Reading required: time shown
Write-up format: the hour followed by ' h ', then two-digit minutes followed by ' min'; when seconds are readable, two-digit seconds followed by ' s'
1 h 35 min
